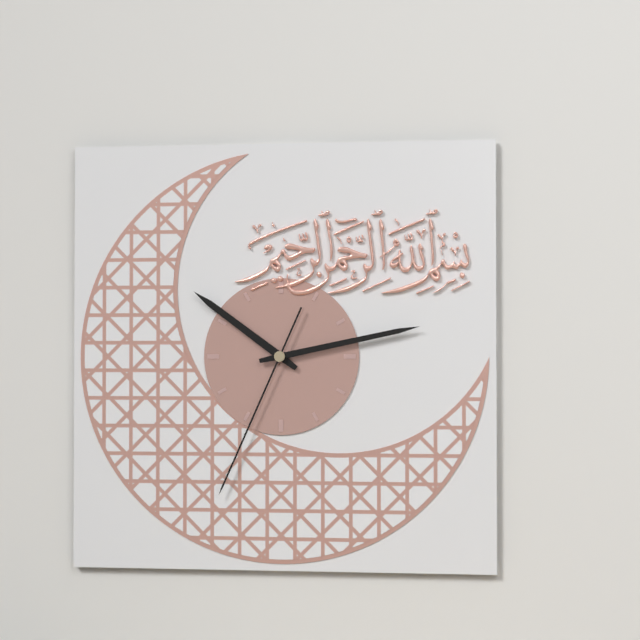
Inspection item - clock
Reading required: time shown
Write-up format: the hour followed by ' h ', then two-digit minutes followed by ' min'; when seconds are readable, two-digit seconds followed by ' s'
10 h 13 min 34 s
